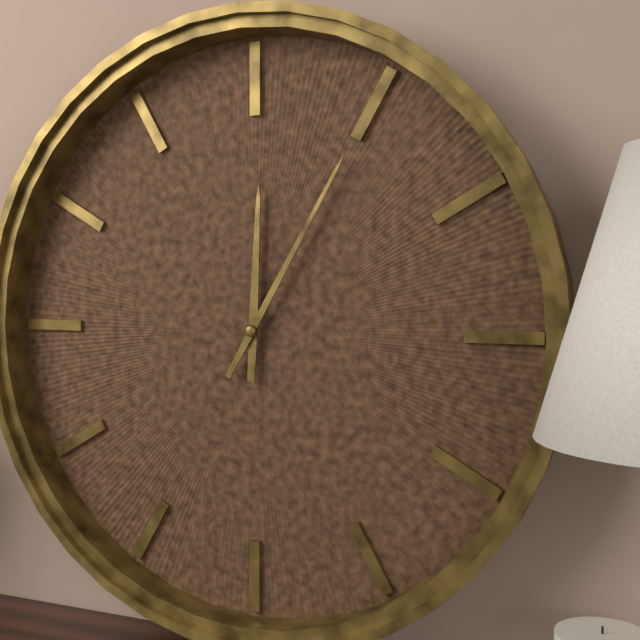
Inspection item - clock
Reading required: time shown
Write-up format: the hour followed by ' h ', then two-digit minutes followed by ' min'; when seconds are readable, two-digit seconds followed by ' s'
12 h 05 min
